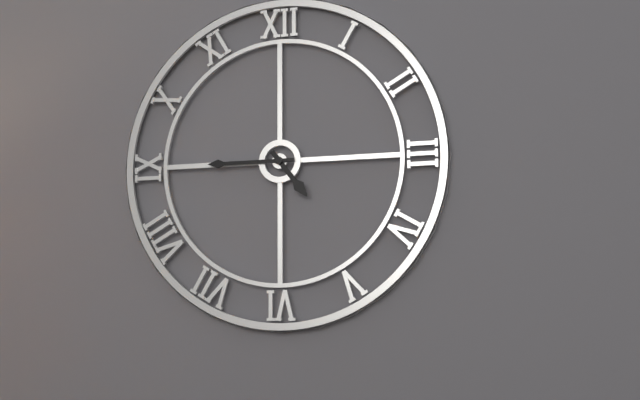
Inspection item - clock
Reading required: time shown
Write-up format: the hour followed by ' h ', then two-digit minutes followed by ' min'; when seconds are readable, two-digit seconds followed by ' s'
4 h 45 min
